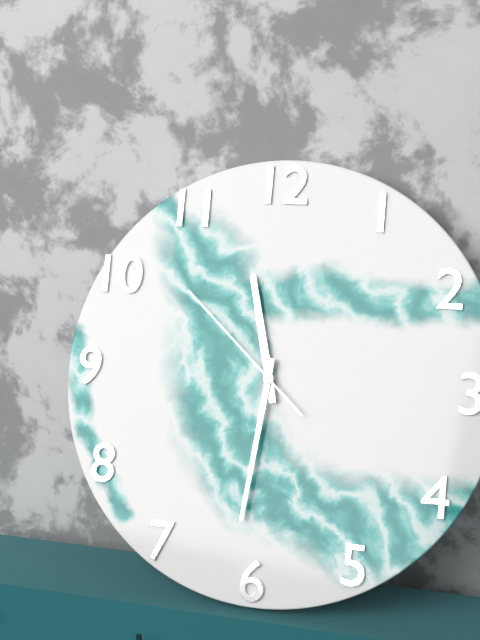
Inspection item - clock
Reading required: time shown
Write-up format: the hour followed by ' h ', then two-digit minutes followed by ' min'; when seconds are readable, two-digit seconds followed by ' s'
11 h 31 min 52 s
